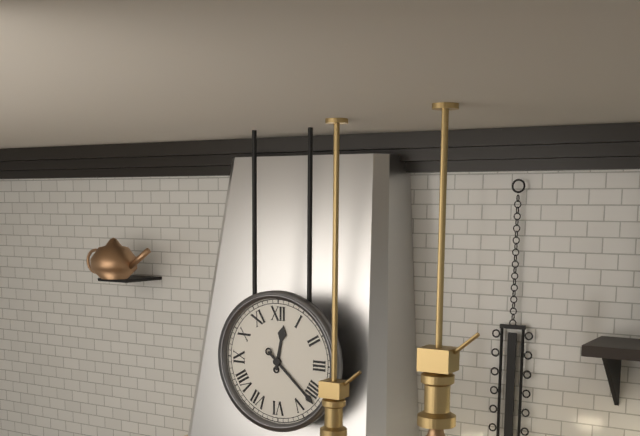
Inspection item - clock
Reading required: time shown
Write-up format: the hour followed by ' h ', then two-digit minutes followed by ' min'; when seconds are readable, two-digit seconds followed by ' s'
12 h 22 min
